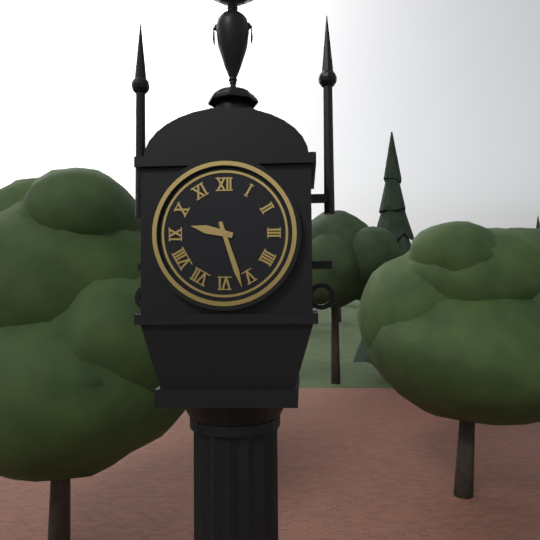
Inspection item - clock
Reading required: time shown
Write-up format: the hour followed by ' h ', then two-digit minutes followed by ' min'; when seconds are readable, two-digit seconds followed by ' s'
9 h 27 min
